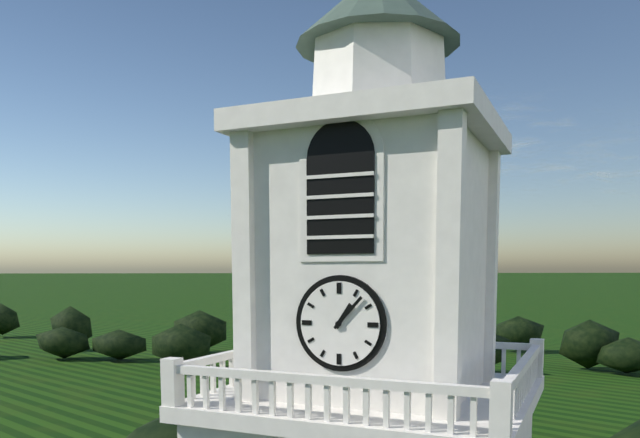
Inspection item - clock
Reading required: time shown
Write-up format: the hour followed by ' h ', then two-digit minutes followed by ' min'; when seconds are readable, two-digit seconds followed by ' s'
1 h 07 min
